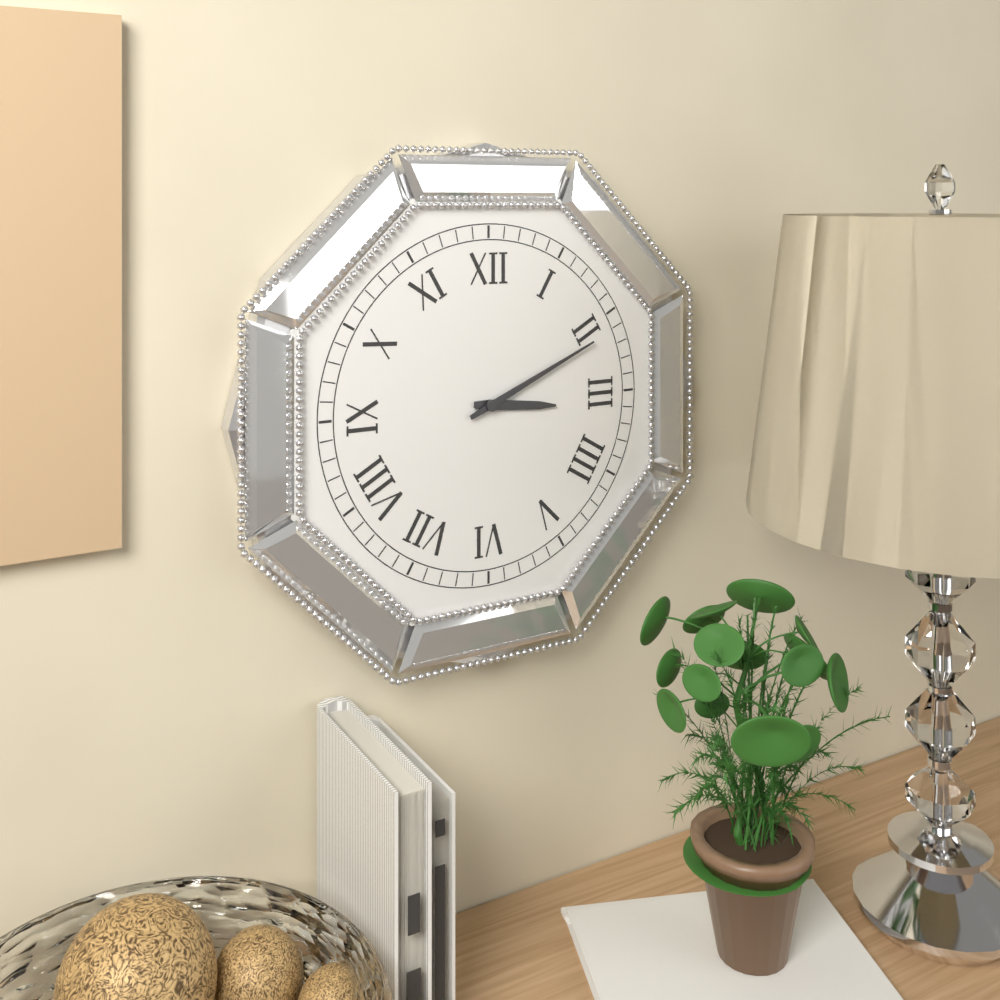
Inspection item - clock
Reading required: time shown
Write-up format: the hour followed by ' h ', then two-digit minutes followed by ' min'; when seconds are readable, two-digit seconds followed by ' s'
3 h 11 min
